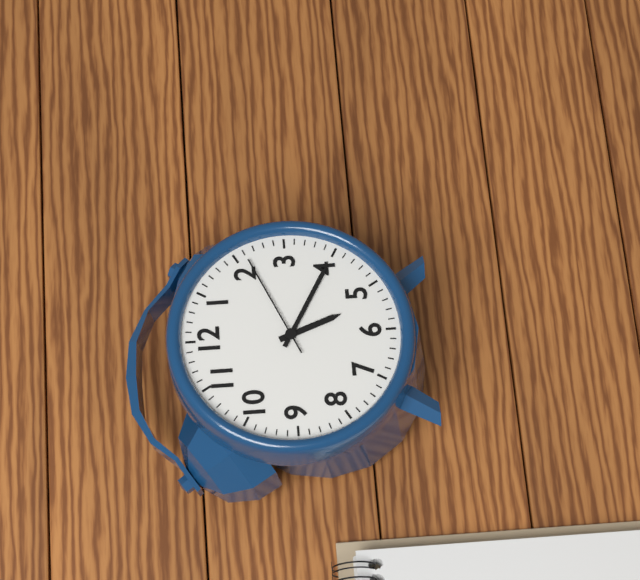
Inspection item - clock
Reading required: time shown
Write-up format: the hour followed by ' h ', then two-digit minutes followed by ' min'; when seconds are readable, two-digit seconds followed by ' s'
5 h 20 min 11 s
